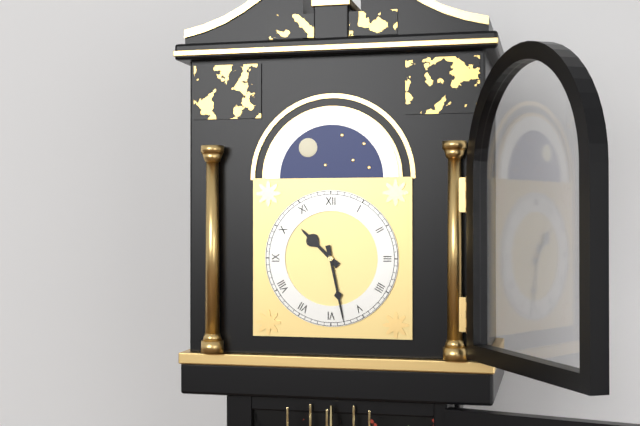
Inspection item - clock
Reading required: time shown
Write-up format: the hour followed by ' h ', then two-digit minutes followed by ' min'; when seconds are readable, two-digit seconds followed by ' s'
10 h 28 min
